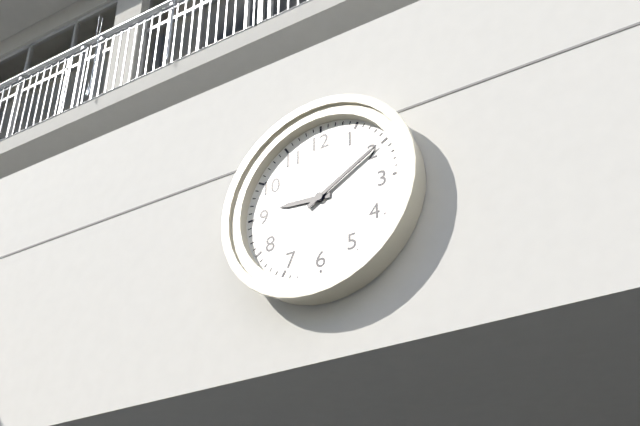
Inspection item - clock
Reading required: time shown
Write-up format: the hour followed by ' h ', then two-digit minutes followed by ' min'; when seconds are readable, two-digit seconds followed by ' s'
9 h 10 min
